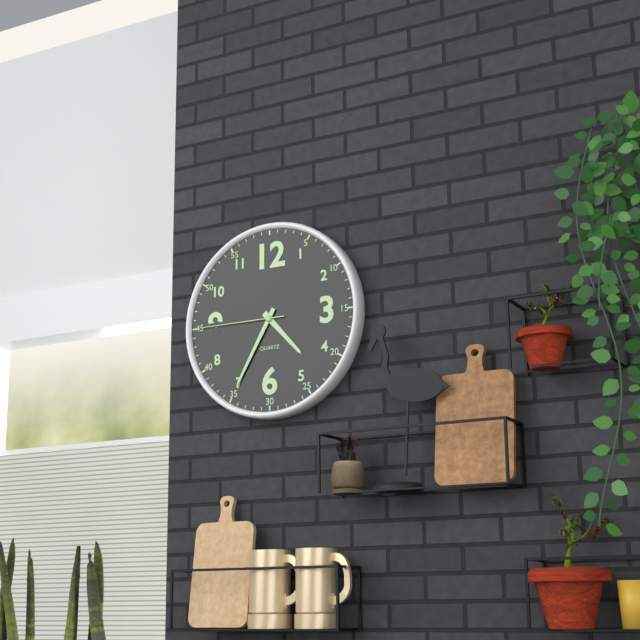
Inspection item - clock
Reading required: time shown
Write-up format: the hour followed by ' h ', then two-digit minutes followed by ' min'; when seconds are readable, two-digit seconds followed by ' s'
4 h 35 min 45 s
